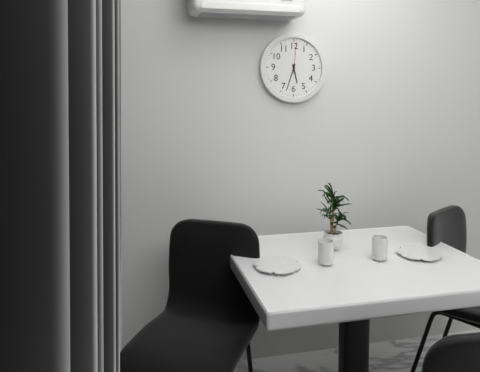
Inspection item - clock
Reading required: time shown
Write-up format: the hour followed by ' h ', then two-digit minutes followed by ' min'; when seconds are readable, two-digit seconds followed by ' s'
5 h 33 min
